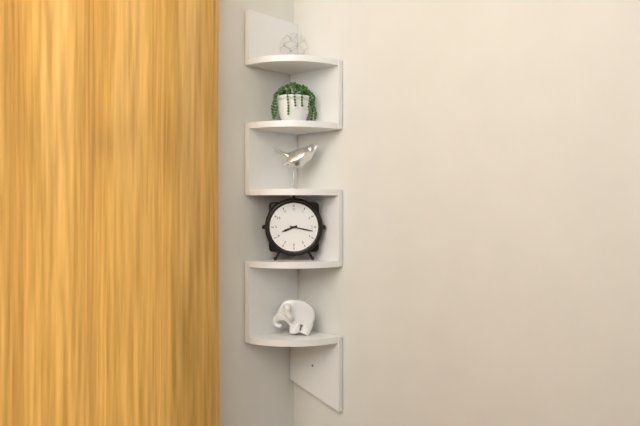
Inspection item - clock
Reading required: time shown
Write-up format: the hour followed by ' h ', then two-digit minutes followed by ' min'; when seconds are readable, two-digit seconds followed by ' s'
8 h 17 min
